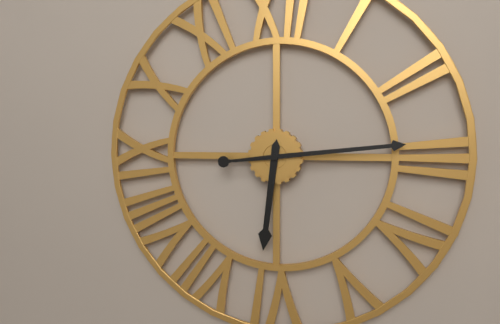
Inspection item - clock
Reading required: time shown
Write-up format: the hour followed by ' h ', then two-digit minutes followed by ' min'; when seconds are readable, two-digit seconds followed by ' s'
6 h 14 min
